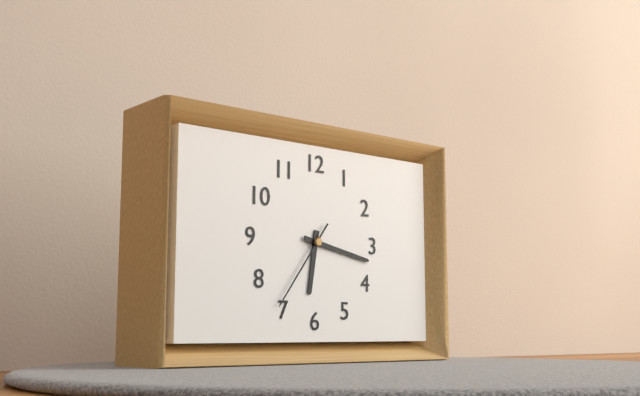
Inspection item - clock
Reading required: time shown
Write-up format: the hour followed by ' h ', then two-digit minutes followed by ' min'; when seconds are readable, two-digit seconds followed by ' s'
6 h 17 min 36 s
